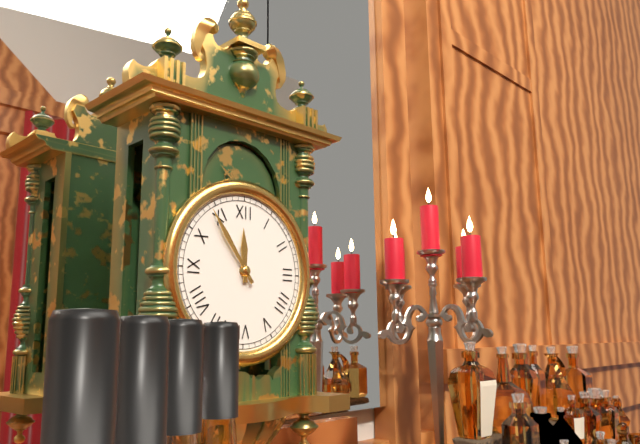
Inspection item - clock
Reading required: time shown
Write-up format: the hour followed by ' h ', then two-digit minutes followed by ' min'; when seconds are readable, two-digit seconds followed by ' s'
11 h 54 min
